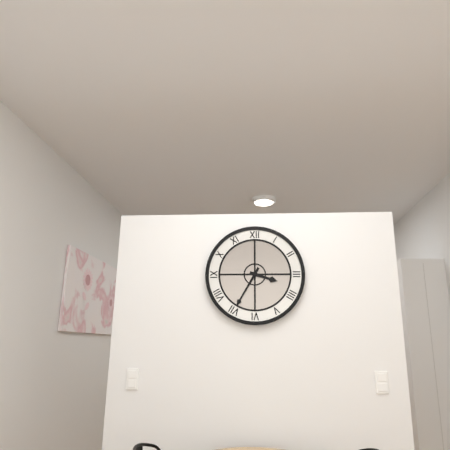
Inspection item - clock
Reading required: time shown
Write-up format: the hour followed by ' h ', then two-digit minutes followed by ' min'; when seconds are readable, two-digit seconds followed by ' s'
3 h 35 min
